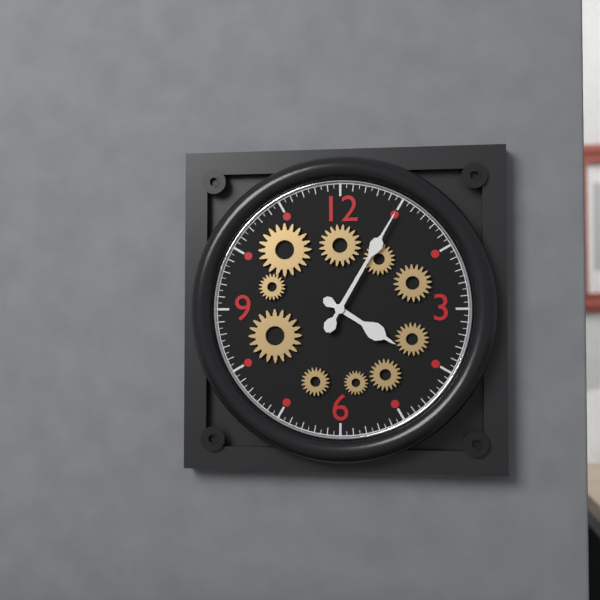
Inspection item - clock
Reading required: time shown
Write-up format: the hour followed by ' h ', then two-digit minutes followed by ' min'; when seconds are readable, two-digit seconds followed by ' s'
4 h 05 min
